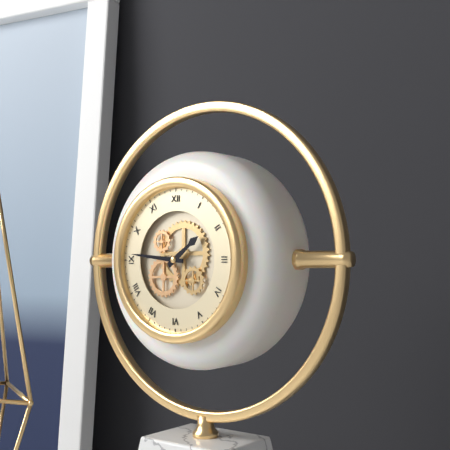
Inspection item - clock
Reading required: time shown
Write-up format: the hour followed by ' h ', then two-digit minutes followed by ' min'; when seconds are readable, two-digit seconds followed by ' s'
1 h 46 min
